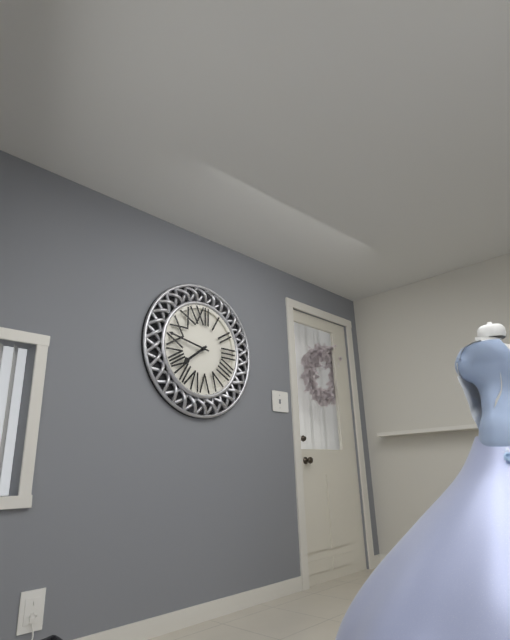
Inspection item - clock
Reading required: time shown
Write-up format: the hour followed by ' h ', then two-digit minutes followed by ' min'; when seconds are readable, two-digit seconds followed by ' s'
7 h 47 min
